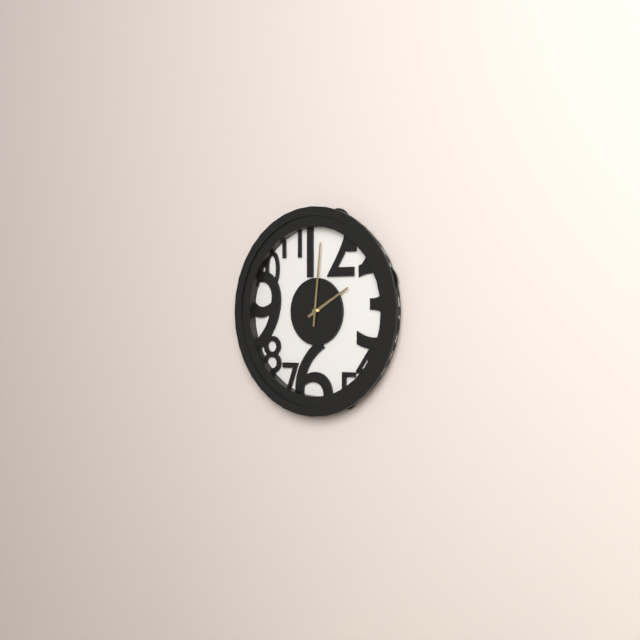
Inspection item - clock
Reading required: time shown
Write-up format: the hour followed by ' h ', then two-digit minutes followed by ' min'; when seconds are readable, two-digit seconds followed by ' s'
2 h 01 min
